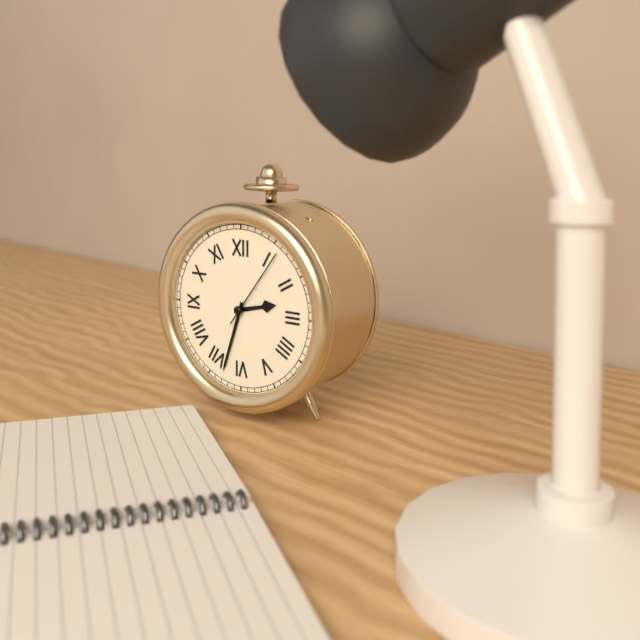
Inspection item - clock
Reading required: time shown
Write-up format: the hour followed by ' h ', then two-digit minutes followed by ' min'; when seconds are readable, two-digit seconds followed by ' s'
2 h 33 min 06 s
